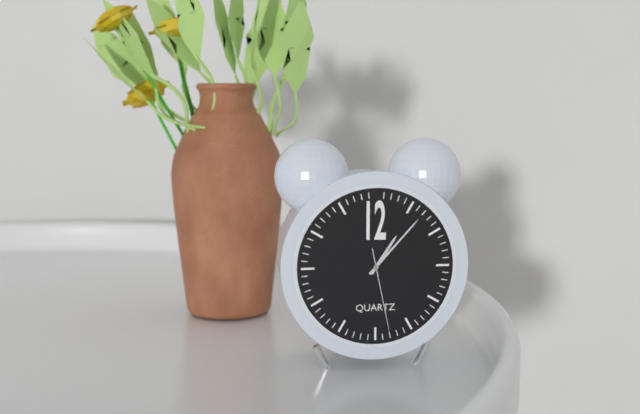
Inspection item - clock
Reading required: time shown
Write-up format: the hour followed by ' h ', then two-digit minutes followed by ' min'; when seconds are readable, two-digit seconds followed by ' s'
1 h 07 min 28 s
